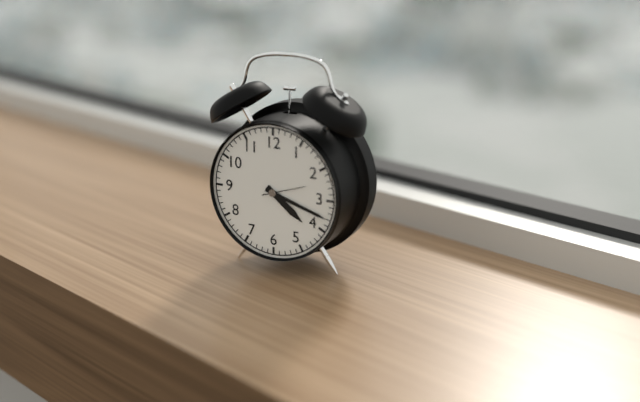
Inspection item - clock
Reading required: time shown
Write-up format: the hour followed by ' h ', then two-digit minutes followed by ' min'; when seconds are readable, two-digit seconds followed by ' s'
4 h 18 min
